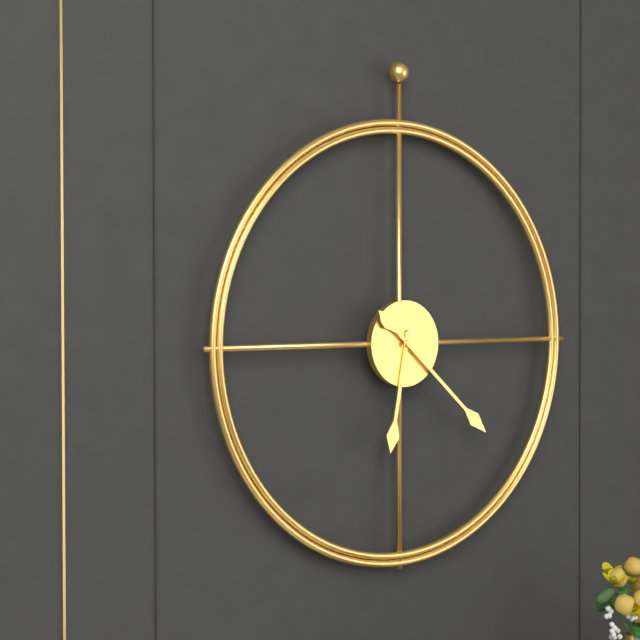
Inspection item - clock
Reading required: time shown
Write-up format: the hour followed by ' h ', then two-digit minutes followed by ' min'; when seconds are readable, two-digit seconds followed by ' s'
6 h 22 min
